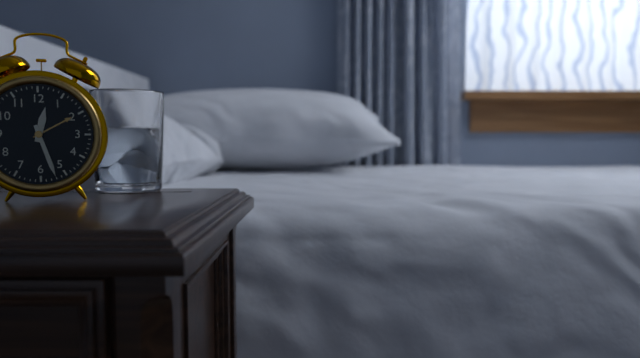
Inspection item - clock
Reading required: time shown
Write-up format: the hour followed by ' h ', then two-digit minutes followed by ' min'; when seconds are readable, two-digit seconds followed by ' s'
12 h 27 min
